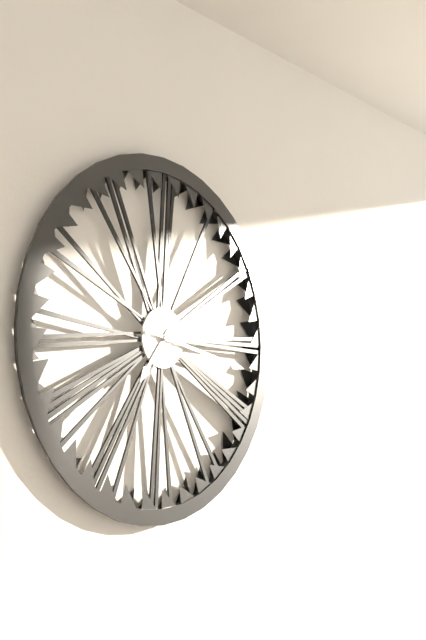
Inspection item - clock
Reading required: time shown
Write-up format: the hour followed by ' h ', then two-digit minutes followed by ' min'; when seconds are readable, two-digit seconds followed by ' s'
7 h 17 min
